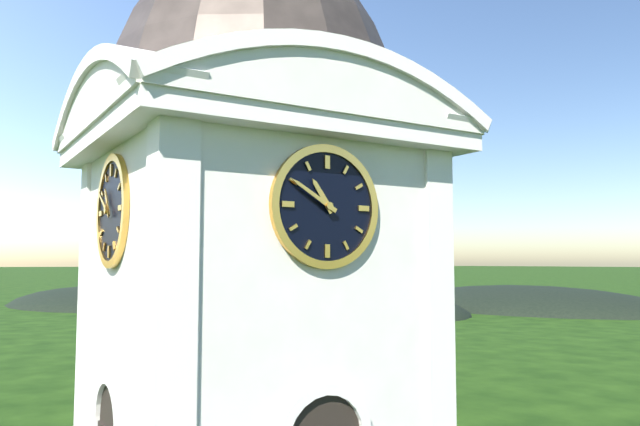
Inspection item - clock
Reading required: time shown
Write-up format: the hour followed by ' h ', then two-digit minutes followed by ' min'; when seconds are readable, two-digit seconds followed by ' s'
10 h 50 min
